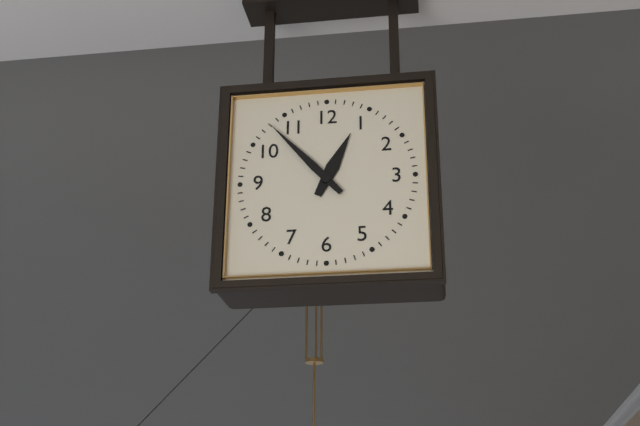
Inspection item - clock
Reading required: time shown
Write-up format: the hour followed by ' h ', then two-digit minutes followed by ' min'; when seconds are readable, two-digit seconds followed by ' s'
12 h 53 min
